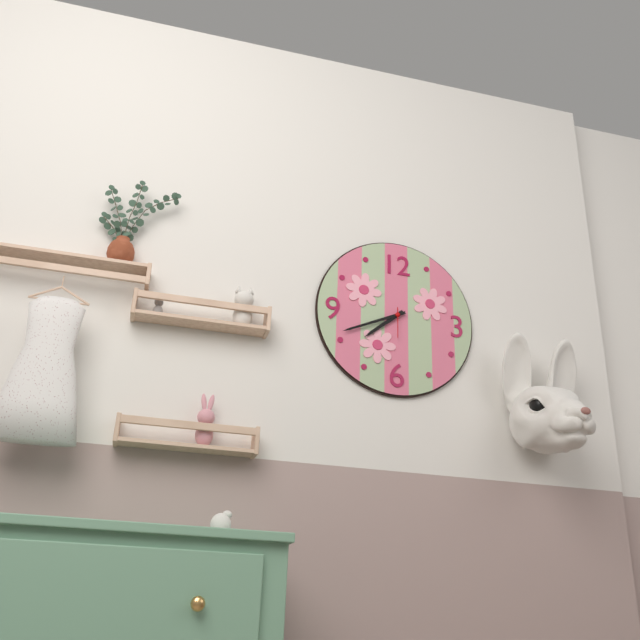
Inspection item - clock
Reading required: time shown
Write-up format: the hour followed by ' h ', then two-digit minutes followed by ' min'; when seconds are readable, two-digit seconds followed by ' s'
7 h 41 min
